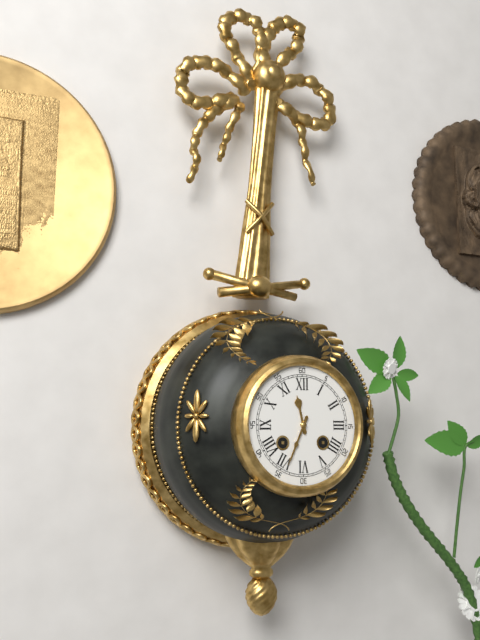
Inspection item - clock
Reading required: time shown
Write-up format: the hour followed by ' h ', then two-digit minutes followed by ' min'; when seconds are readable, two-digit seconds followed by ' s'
11 h 34 min
